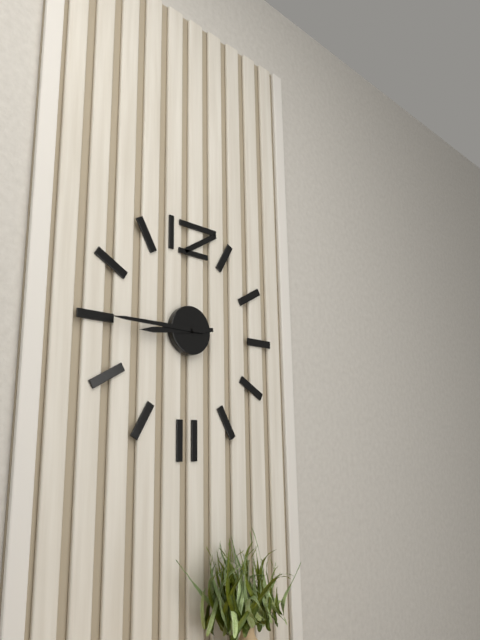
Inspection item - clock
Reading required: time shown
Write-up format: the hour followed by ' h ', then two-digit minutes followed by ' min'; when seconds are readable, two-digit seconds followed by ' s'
8 h 45 min
